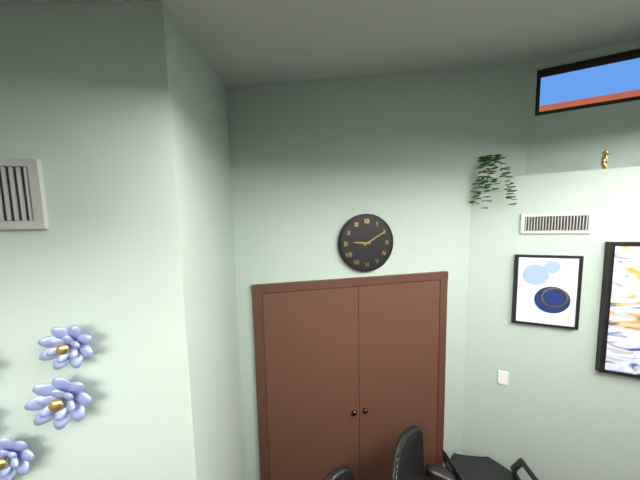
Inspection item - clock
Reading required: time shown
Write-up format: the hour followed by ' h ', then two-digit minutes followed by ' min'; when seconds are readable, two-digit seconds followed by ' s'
9 h 10 min
